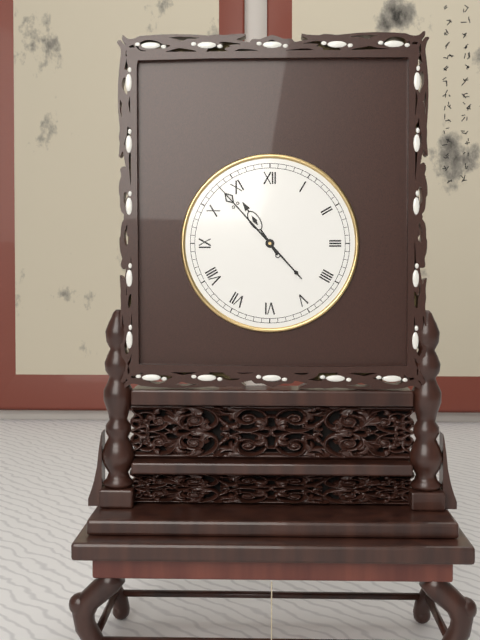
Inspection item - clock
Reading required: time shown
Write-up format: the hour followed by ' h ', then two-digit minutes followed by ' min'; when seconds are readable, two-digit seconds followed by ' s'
10 h 53 min
